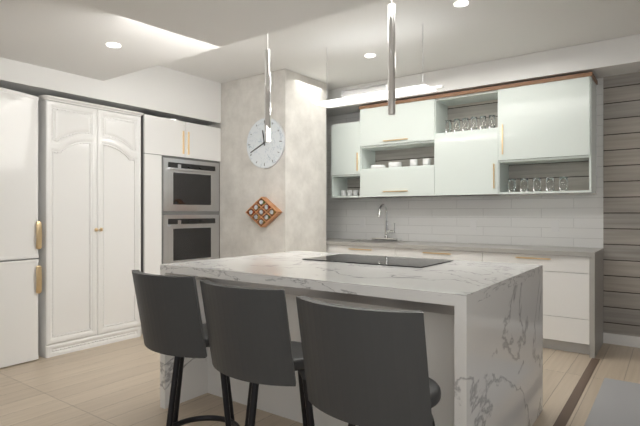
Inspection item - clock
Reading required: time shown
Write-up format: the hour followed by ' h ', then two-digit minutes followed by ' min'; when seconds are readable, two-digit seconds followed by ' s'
11 h 41 min
